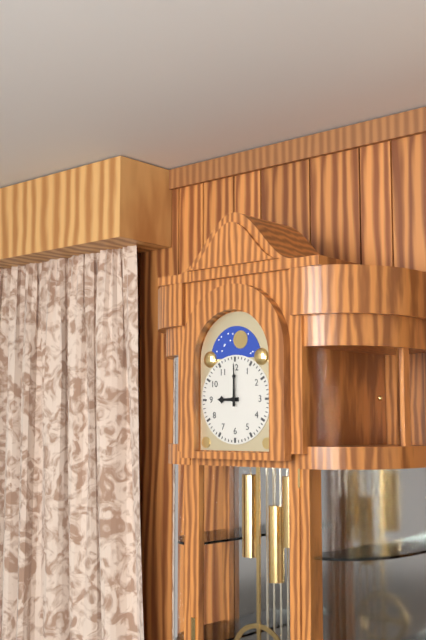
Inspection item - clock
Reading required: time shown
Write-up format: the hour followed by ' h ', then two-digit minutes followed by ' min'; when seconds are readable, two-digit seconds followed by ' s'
9 h 00 min
